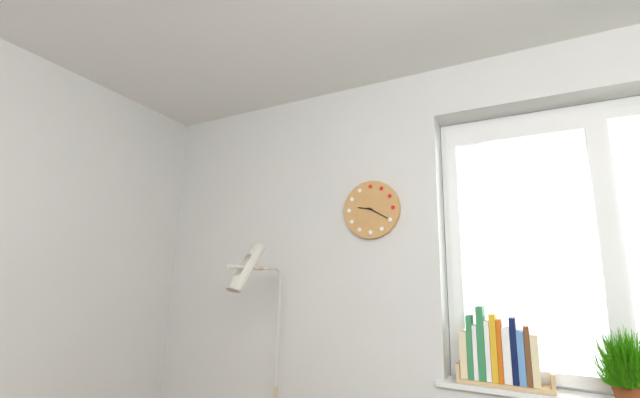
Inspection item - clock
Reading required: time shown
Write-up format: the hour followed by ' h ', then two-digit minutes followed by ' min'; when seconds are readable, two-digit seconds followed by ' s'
9 h 20 min
